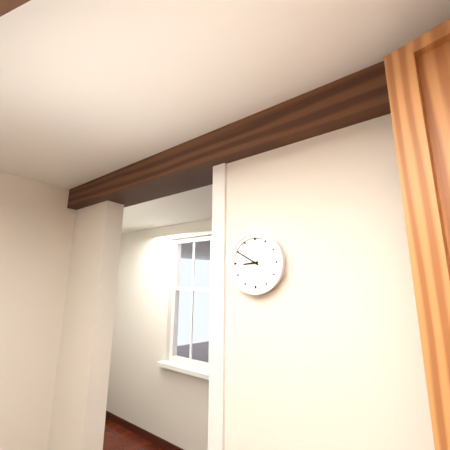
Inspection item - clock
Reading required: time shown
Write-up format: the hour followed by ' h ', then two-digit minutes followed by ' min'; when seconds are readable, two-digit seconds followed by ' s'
8 h 50 min
